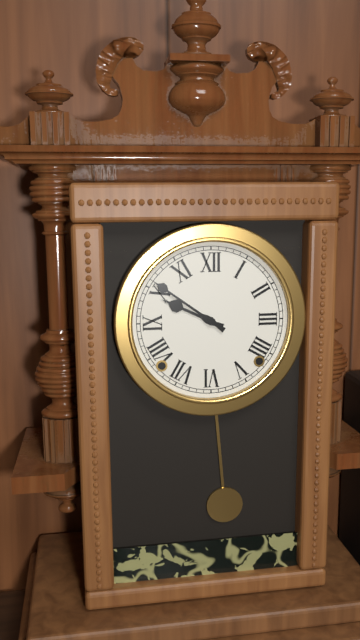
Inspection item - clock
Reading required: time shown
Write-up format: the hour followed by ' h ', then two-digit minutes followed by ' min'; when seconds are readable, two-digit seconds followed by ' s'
9 h 51 min
